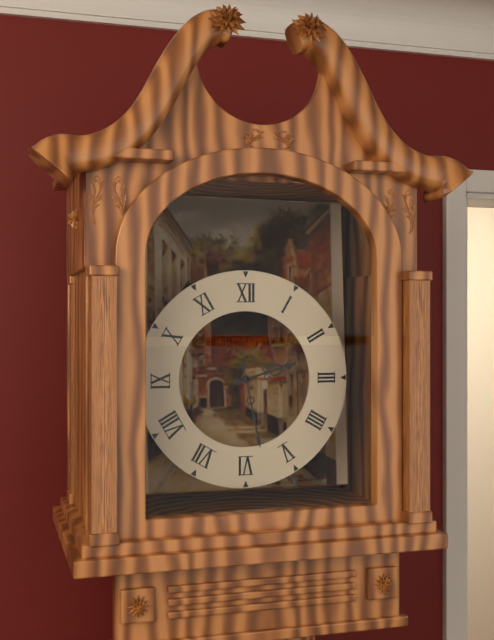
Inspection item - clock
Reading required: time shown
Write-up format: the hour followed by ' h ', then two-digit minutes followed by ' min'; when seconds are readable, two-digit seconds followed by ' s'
2 h 28 min
